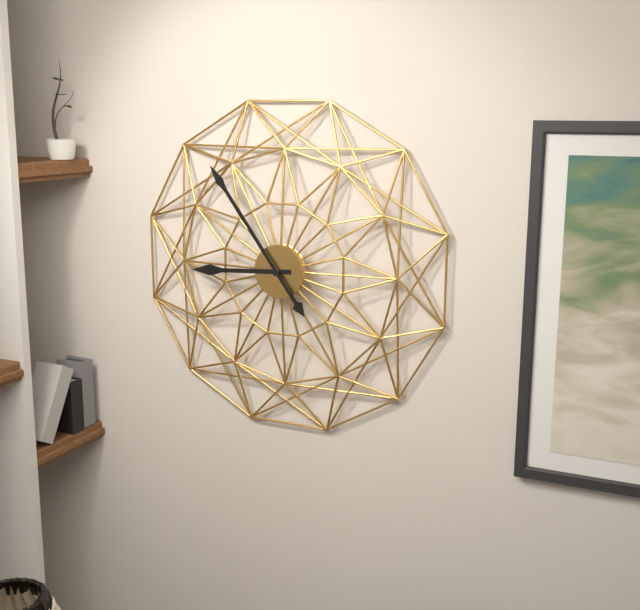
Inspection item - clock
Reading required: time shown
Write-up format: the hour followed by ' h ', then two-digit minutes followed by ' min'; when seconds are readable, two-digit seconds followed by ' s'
8 h 54 min
